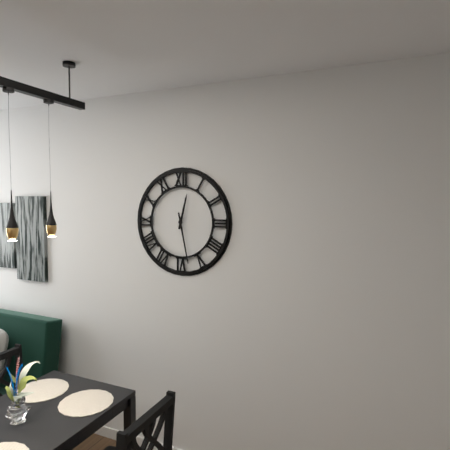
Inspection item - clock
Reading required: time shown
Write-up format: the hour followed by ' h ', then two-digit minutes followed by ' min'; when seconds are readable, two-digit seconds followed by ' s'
12 h 28 min
